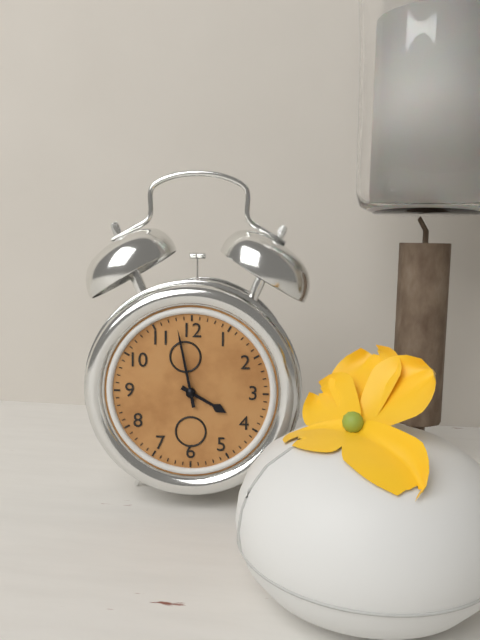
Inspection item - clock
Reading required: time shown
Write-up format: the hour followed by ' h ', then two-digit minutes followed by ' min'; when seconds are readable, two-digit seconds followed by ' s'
3 h 58 min
